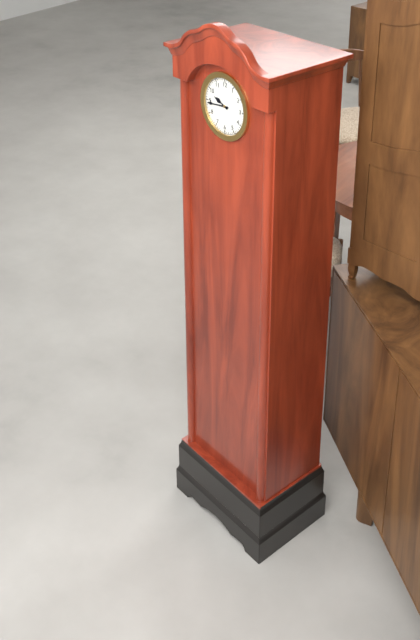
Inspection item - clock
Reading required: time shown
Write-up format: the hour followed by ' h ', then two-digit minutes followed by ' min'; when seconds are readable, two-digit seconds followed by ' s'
9 h 44 min
